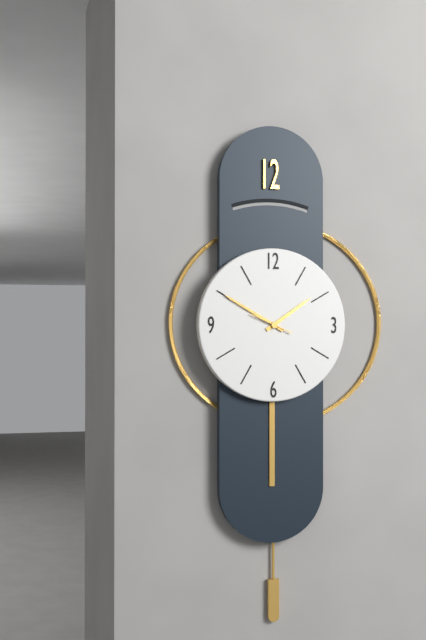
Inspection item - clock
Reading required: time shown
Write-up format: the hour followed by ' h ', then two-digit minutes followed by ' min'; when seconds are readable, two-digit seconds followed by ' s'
1 h 50 min
